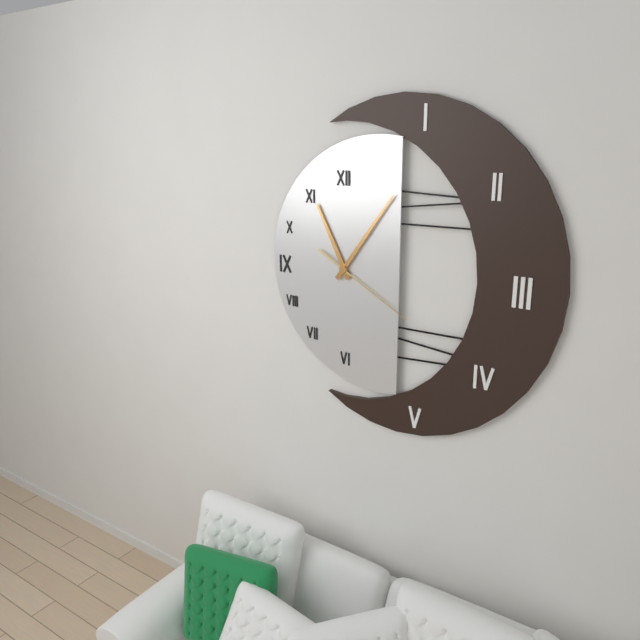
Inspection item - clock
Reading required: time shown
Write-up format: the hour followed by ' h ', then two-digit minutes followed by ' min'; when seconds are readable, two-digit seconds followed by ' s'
11 h 06 min 20 s
